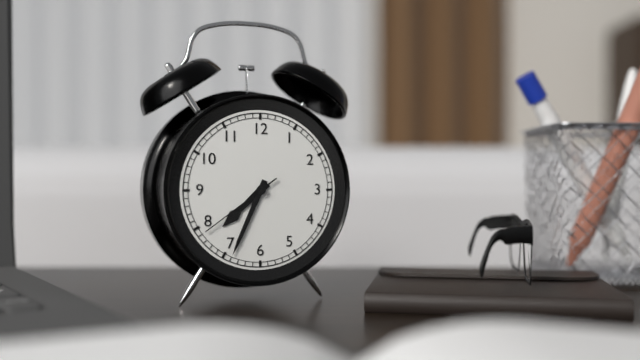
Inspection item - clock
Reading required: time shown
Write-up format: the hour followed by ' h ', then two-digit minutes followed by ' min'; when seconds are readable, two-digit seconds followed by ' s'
7 h 34 min 39 s
